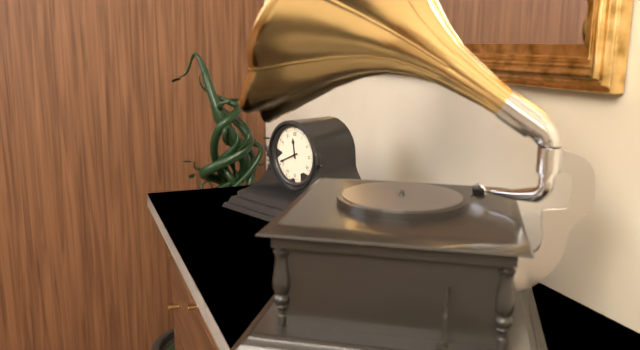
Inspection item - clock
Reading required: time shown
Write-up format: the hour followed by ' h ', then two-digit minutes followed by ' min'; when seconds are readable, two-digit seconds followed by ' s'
11 h 41 min
